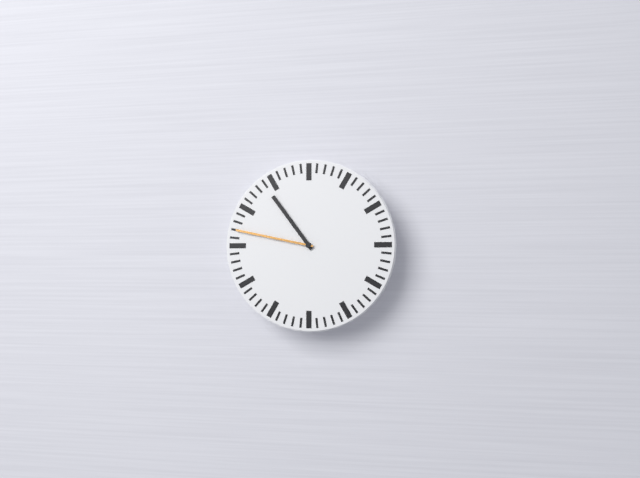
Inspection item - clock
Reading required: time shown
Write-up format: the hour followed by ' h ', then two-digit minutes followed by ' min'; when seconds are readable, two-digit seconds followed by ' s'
10 h 47 min
